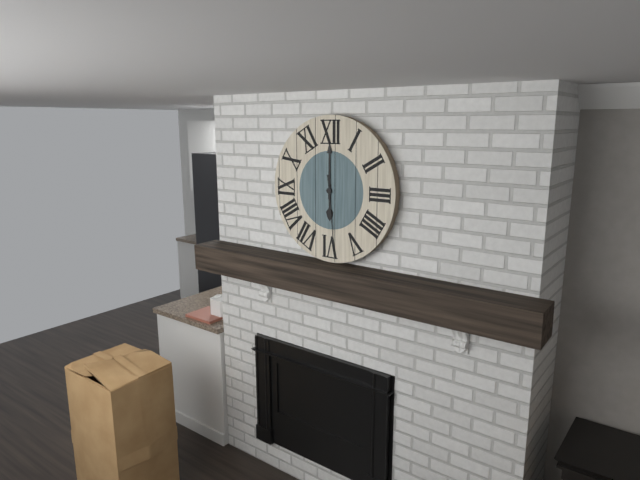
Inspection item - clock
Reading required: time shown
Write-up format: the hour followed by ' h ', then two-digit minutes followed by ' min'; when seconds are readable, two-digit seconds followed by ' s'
6 h 00 min 29 s
